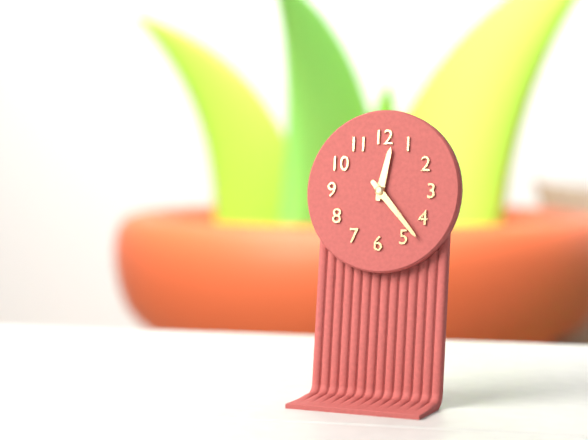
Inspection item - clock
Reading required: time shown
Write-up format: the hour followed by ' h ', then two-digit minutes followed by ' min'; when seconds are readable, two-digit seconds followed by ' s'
12 h 23 min
